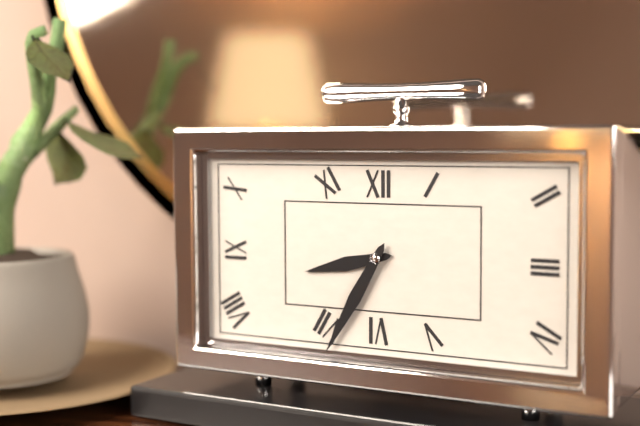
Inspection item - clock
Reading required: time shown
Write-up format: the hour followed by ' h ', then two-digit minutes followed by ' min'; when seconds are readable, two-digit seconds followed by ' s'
8 h 35 min
